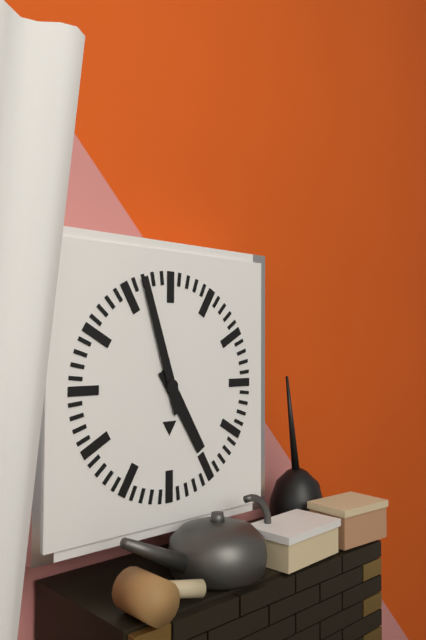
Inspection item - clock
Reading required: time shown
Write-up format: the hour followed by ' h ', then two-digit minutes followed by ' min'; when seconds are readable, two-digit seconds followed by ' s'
4 h 57 min
